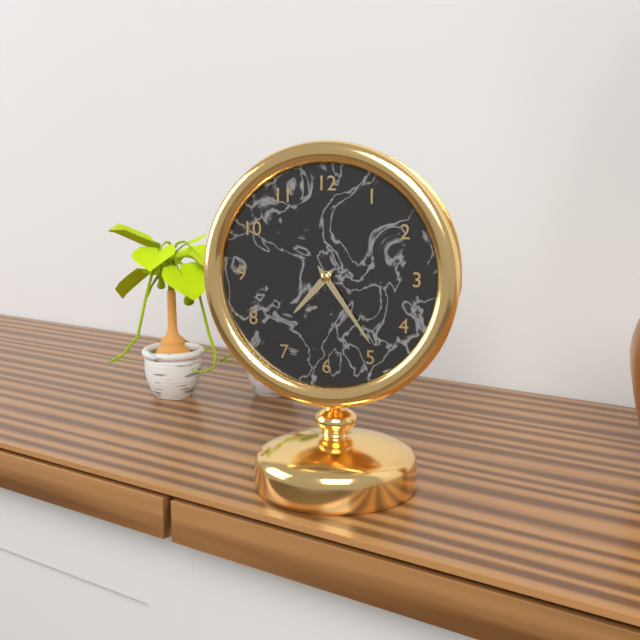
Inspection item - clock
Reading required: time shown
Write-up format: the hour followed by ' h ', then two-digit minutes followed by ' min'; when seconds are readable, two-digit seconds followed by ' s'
7 h 24 min
